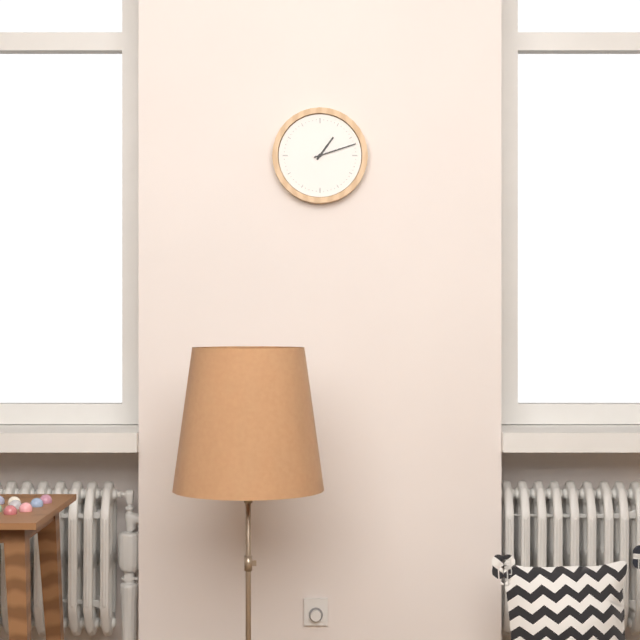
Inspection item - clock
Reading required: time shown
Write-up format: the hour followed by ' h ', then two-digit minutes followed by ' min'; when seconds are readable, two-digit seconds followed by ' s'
1 h 12 min
